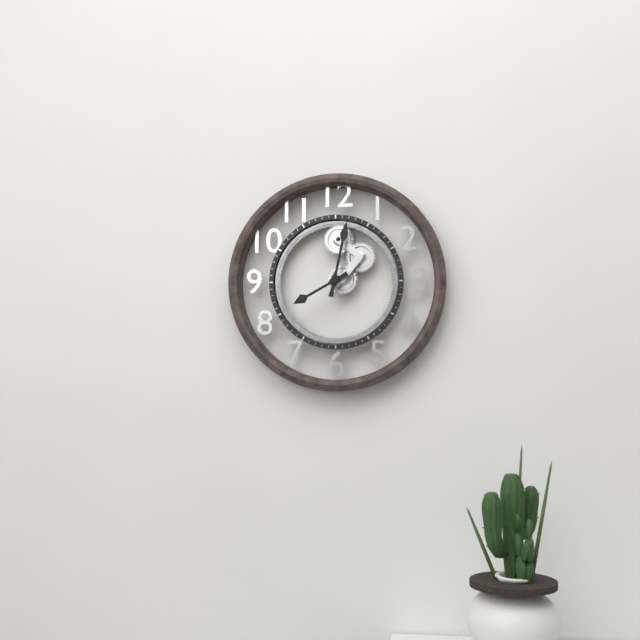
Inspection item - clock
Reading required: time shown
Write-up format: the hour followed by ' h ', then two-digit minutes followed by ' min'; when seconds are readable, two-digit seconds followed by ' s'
8 h 02 min
